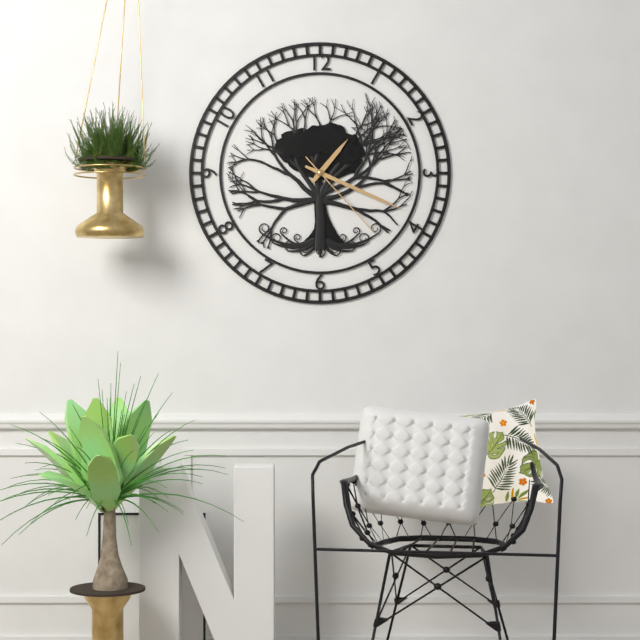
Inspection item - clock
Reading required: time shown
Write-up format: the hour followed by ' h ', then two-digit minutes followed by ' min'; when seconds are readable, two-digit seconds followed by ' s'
1 h 19 min 23 s
